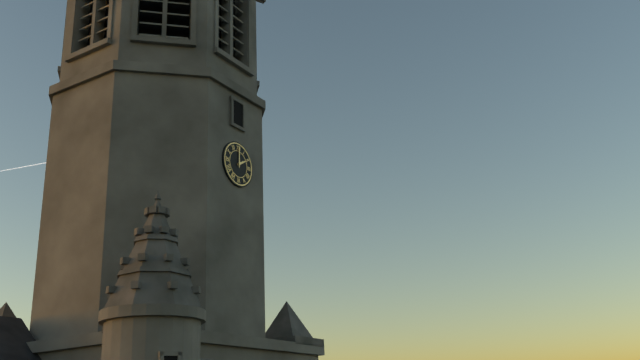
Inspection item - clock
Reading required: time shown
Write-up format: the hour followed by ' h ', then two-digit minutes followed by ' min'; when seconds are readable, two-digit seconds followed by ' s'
2 h 00 min
